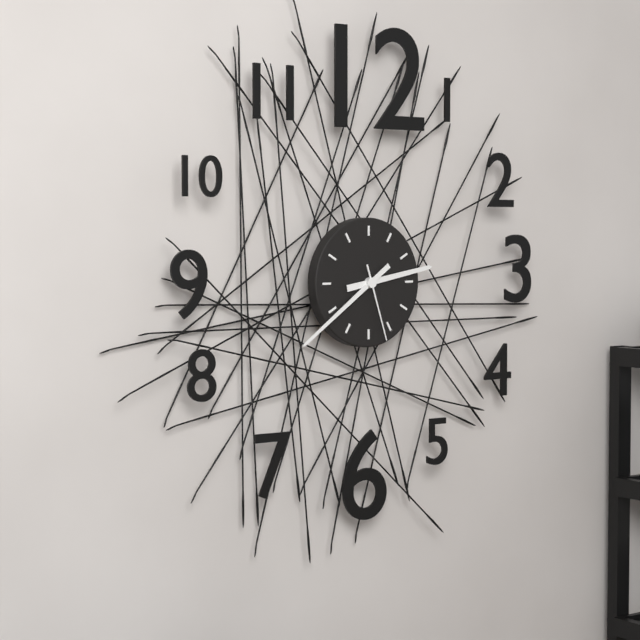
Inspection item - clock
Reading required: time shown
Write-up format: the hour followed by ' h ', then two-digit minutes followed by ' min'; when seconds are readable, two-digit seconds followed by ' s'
2 h 39 min 27 s
